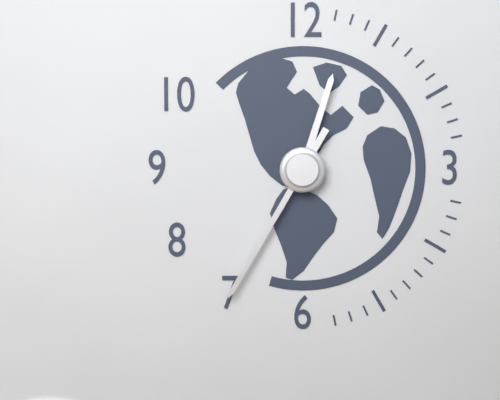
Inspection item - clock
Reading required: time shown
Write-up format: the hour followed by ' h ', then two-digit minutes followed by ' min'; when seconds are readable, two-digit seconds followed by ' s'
12 h 35 min
